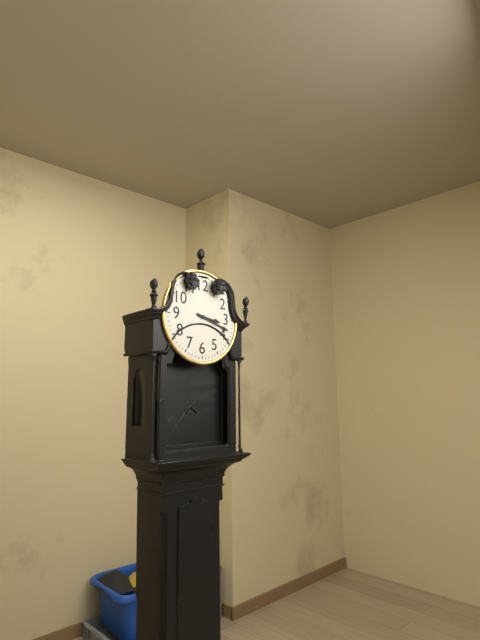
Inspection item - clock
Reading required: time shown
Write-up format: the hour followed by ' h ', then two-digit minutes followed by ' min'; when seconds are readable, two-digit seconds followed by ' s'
3 h 18 min
